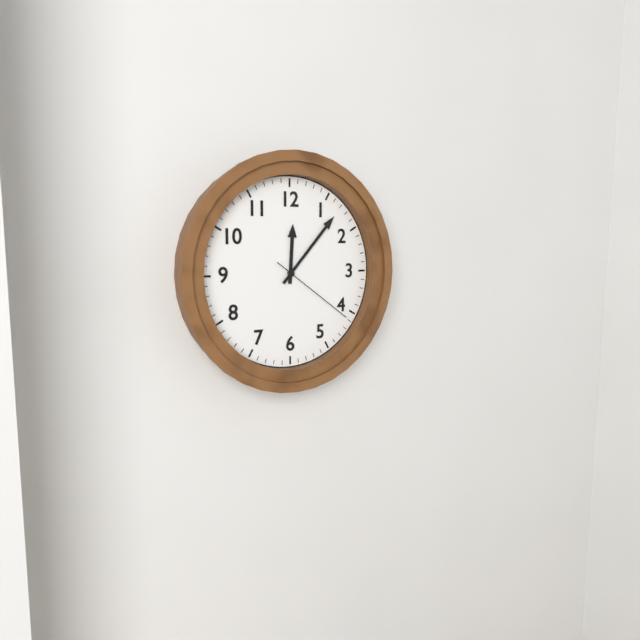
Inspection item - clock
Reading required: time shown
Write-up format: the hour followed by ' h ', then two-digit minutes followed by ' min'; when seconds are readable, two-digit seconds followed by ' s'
12 h 07 min 21 s
